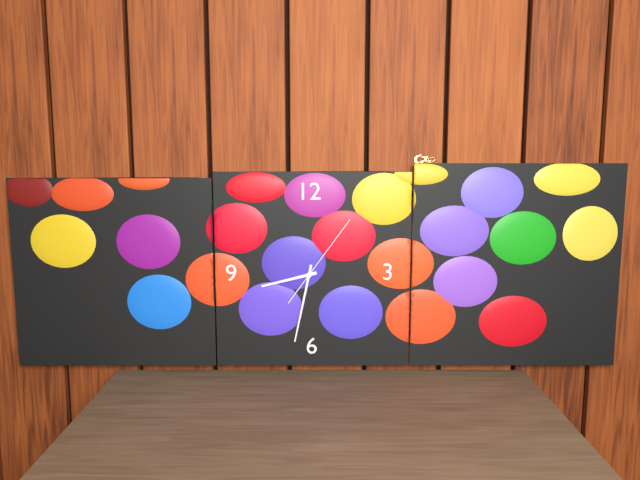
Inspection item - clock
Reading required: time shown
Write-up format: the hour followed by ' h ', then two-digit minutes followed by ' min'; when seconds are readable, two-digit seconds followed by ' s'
8 h 32 min 06 s
